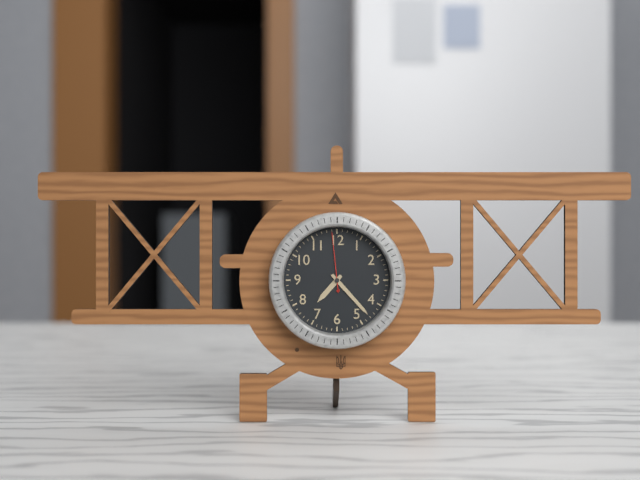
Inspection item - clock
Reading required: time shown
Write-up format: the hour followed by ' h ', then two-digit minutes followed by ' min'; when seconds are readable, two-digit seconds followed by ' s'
7 h 23 min 59 s
